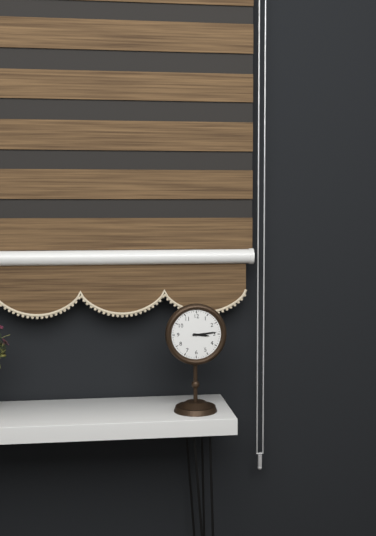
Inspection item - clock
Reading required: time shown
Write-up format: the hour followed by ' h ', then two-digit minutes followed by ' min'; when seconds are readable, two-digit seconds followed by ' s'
3 h 14 min
